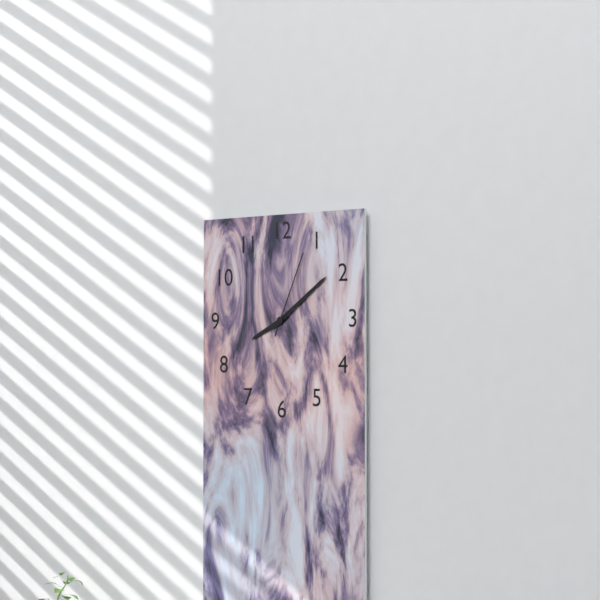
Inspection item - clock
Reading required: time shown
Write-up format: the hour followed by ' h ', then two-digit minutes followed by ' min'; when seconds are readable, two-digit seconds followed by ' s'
8 h 09 min 04 s
